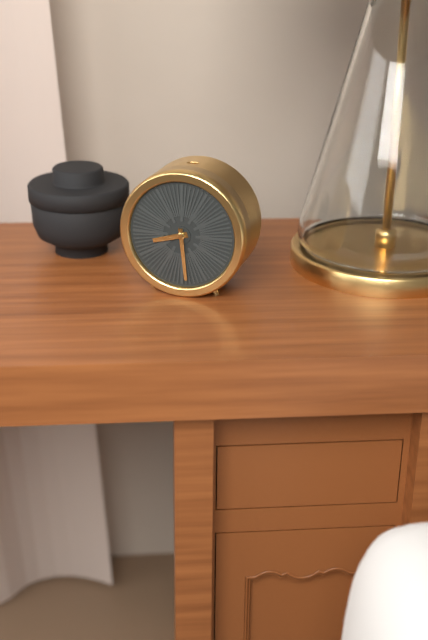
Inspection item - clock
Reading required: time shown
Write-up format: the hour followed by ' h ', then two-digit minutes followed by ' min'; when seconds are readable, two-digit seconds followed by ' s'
8 h 29 min
